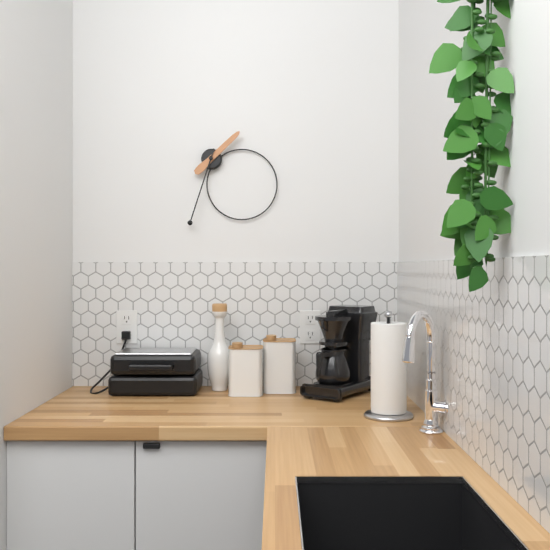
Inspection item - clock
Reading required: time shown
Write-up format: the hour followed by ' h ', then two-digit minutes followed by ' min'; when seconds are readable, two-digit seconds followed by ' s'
1 h 33 min
